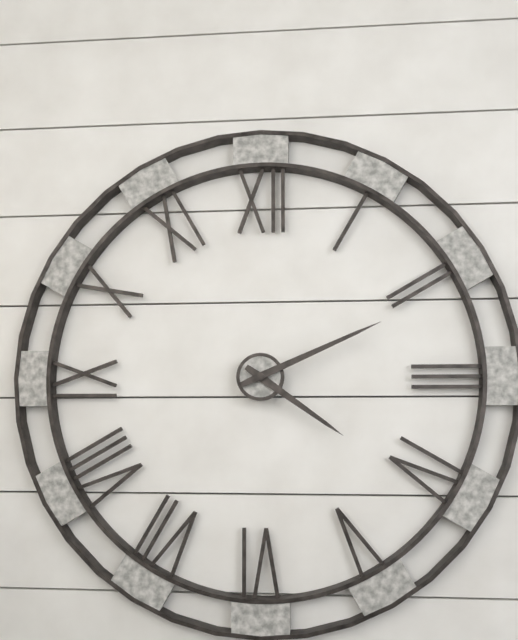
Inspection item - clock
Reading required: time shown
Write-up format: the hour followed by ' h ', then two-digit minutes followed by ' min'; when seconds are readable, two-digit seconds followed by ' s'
4 h 11 min
